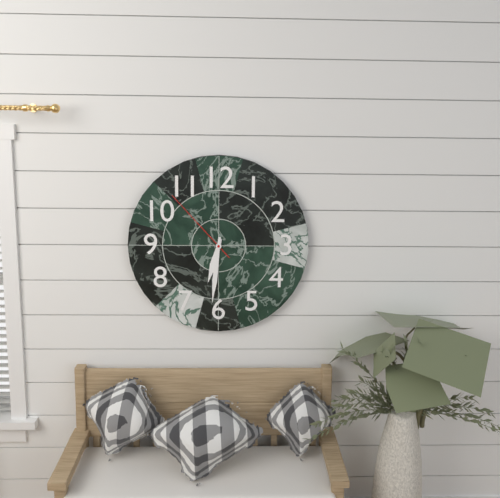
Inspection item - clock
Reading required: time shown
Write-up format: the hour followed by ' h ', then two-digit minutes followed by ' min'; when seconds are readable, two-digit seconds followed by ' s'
6 h 31 min 53 s
